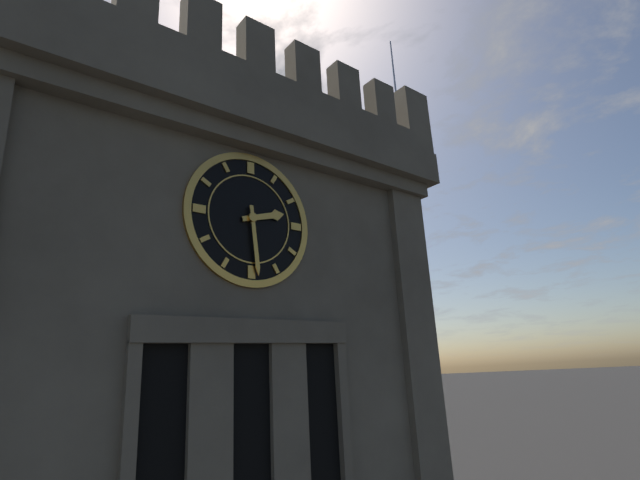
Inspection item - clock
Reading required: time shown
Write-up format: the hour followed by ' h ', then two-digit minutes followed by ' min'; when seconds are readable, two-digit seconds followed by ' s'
2 h 29 min
